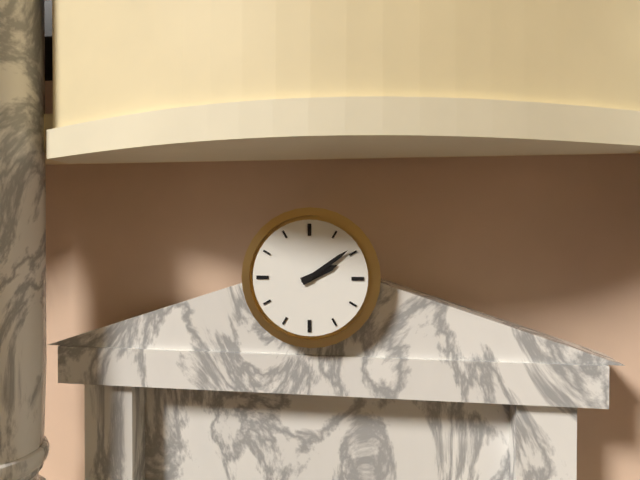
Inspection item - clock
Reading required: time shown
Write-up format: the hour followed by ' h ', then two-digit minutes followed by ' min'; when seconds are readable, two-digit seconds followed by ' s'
2 h 09 min
